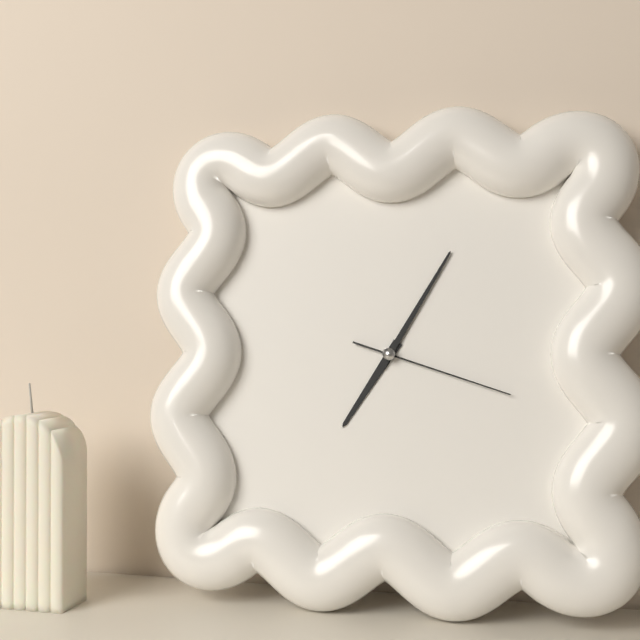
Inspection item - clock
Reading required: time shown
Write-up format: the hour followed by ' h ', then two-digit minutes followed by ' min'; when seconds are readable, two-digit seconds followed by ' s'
7 h 05 min 18 s
